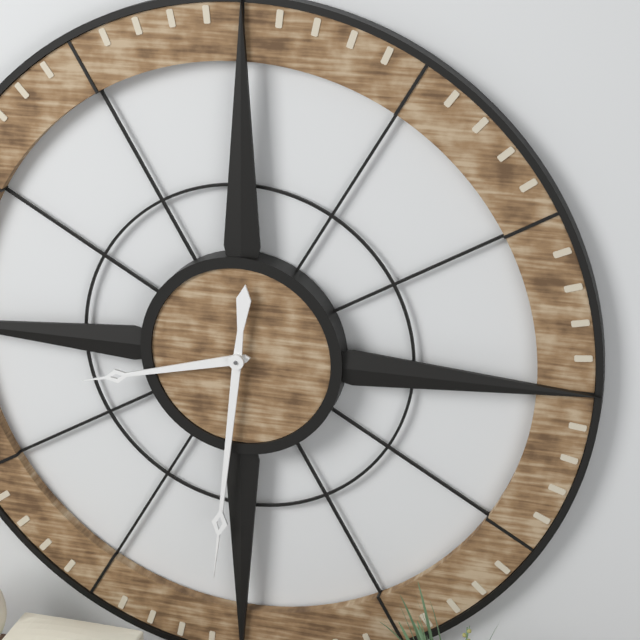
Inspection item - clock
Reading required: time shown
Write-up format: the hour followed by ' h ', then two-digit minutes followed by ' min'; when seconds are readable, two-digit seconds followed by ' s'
8 h 31 min
